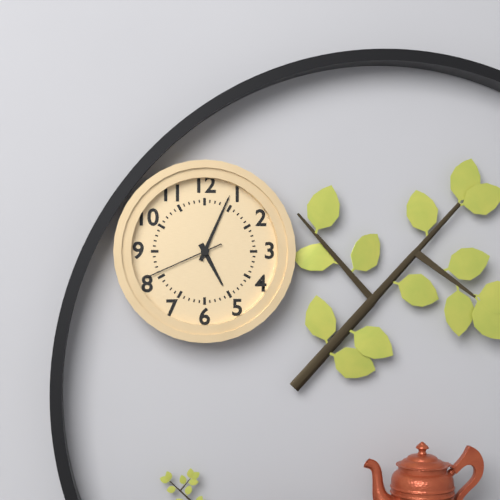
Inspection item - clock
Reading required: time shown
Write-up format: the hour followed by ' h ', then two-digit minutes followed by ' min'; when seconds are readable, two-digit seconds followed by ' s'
5 h 04 min 41 s
